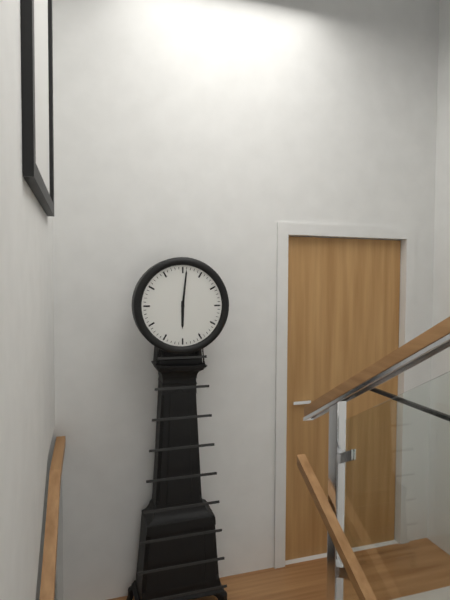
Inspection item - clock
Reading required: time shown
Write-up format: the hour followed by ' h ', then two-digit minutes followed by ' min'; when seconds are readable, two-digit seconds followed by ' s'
6 h 01 min
